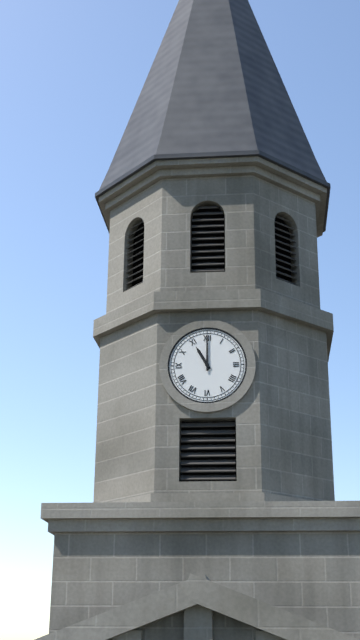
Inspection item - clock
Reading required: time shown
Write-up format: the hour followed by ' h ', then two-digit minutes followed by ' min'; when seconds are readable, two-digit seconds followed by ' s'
11 h 00 min
